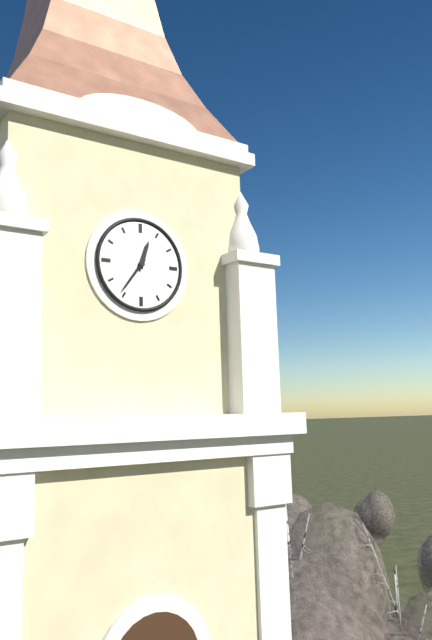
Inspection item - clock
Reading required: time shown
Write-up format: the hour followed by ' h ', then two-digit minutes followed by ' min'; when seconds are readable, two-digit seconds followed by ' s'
12 h 36 min
